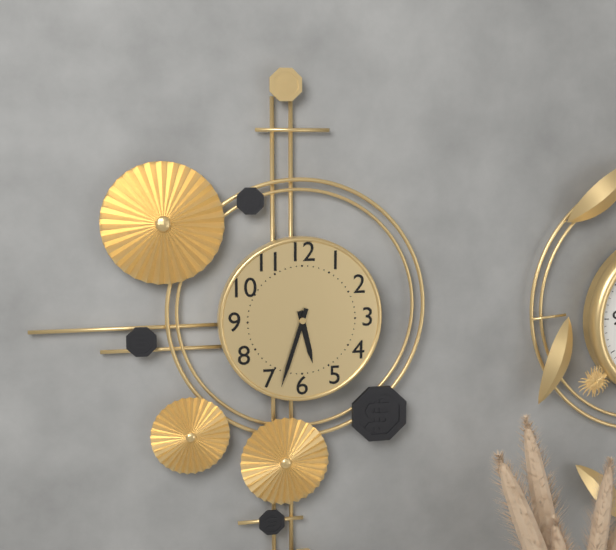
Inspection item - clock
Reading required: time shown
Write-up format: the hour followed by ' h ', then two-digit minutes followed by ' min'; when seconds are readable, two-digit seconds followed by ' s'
5 h 33 min
